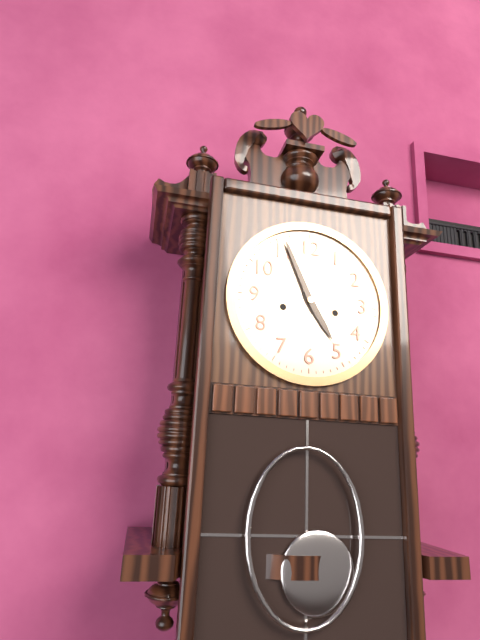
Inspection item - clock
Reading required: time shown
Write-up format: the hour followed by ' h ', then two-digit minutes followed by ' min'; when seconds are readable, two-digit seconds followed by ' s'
4 h 56 min
